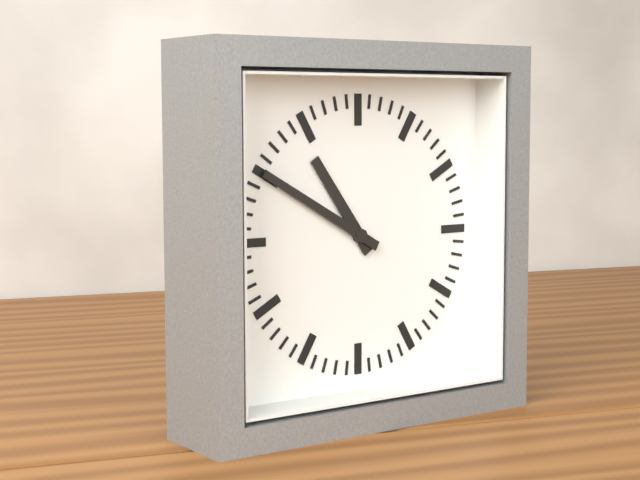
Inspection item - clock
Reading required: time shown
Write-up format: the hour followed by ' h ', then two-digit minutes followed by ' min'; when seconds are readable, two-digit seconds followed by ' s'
10 h 50 min
